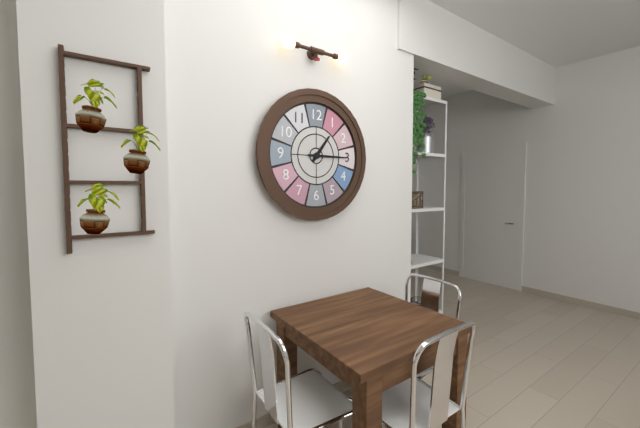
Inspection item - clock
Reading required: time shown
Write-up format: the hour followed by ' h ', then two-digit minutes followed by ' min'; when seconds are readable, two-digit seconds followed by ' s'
1 h 15 min
